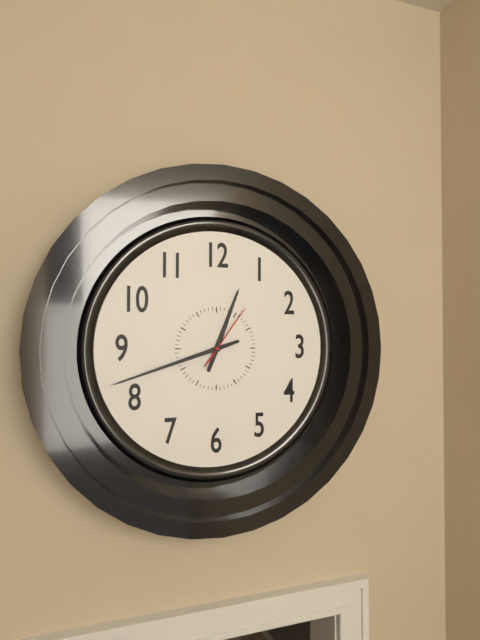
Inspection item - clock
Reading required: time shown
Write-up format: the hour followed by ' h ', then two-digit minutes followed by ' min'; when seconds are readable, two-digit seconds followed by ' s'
12 h 42 min 06 s
